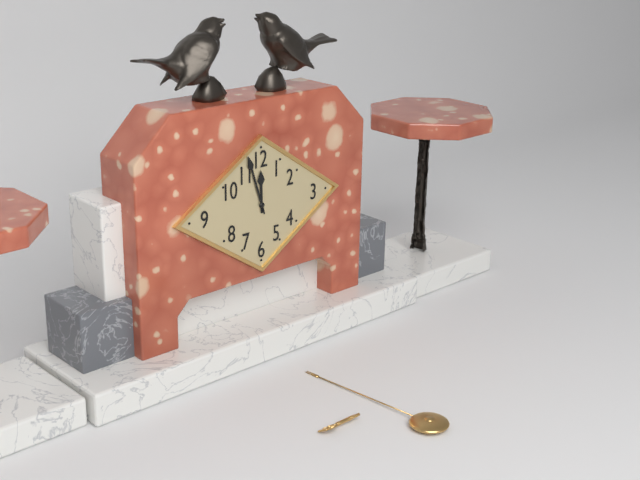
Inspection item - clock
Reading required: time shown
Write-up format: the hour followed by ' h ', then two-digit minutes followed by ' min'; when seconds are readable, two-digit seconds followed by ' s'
11 h 57 min
